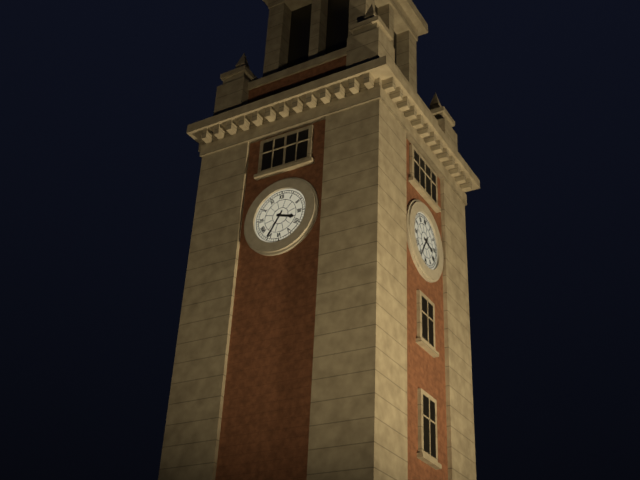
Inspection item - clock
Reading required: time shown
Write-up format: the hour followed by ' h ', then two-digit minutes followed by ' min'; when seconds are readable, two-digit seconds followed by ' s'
3 h 35 min
